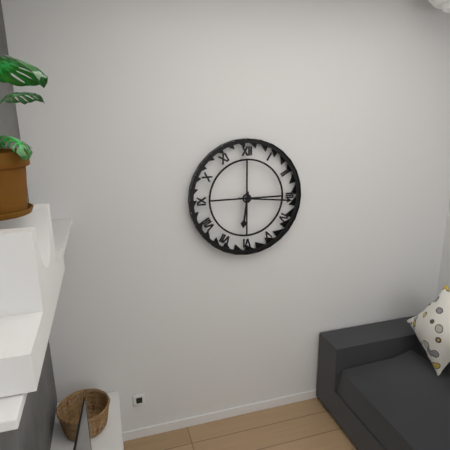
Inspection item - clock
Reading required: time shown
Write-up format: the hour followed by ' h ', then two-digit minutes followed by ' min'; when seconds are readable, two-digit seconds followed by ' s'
6 h 16 min
